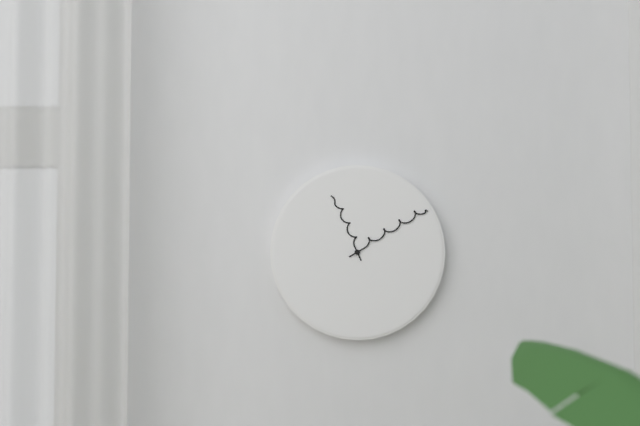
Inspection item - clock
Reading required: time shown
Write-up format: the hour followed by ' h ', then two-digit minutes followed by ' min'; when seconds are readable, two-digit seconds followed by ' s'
11 h 10 min
